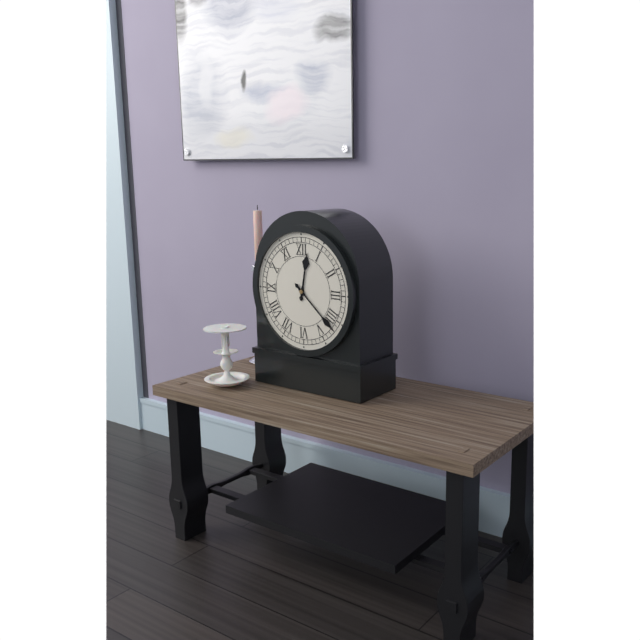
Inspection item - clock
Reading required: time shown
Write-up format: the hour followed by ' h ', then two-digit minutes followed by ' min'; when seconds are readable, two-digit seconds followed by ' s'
12 h 22 min
